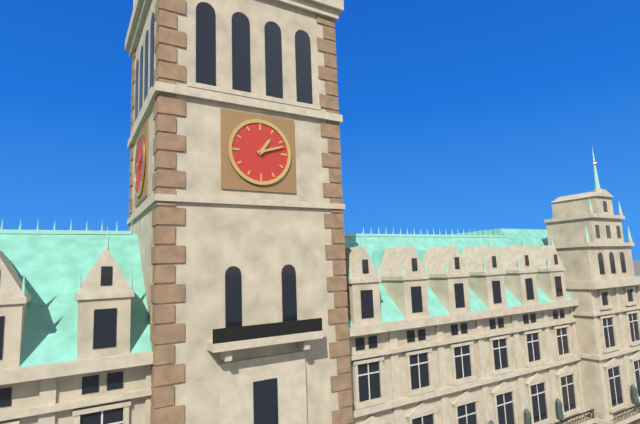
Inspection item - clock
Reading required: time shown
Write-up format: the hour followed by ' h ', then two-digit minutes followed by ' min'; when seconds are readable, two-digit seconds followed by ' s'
1 h 12 min
